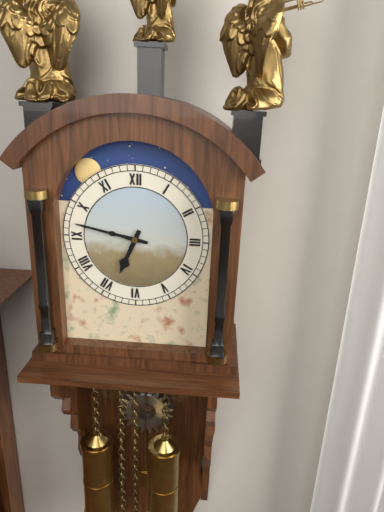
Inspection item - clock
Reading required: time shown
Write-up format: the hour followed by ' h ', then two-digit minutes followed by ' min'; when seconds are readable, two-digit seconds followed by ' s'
6 h 47 min
